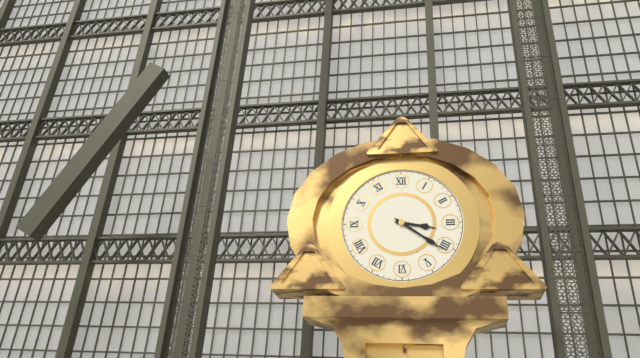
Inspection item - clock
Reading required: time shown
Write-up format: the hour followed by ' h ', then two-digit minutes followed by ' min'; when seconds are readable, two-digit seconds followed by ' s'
3 h 21 min
